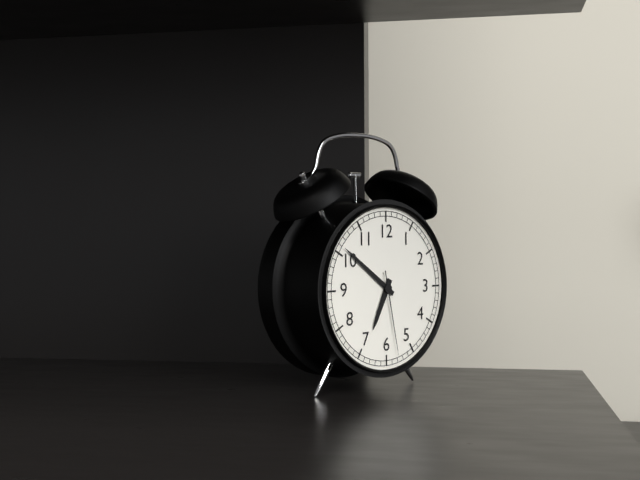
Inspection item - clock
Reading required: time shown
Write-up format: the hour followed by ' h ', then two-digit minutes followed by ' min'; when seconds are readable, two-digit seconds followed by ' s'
6 h 51 min 28 s
